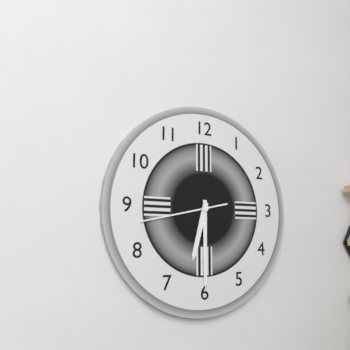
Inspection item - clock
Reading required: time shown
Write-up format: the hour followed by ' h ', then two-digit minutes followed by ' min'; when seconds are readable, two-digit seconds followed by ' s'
6 h 30 min 43 s
